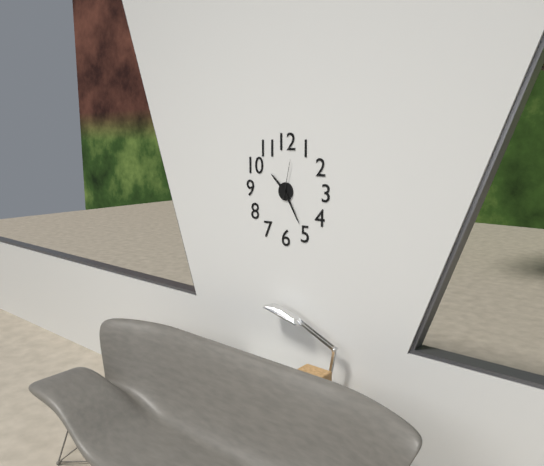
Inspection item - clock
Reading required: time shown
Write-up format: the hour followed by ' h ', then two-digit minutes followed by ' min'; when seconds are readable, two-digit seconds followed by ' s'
10 h 25 min
